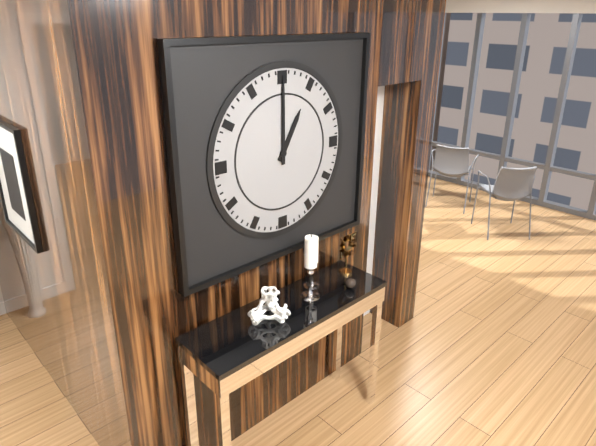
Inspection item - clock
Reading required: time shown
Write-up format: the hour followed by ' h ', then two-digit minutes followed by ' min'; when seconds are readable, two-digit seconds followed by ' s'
1 h 00 min
